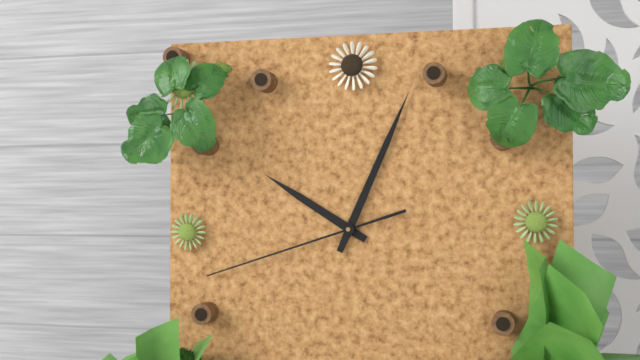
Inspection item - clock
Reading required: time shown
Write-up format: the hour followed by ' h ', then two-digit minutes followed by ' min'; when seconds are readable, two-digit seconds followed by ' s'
10 h 04 min 42 s
